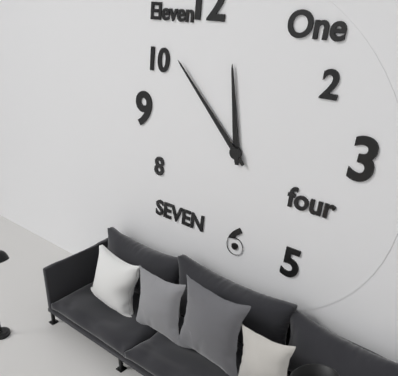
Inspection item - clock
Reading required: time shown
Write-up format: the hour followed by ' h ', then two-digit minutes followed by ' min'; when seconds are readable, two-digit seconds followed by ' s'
11 h 53 min
